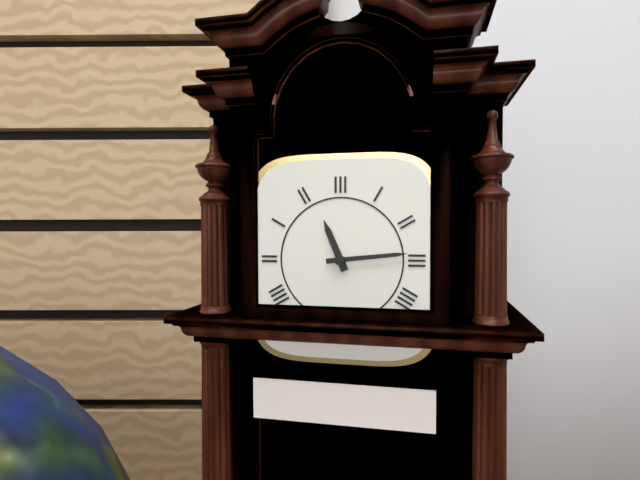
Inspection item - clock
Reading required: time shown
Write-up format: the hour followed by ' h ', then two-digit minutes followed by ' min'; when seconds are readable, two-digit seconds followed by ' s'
11 h 14 min
